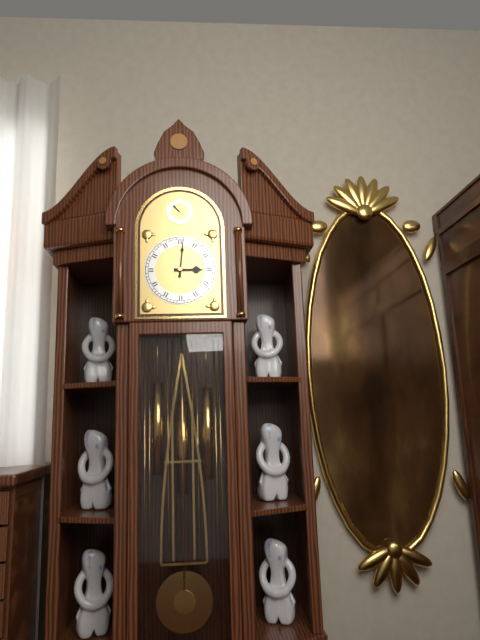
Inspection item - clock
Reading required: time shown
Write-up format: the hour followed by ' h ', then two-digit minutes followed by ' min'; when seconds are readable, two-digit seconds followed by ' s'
3 h 01 min
